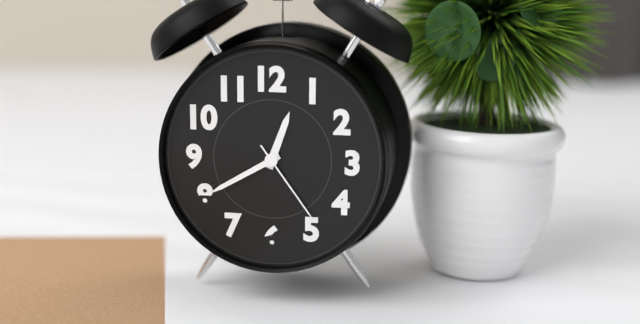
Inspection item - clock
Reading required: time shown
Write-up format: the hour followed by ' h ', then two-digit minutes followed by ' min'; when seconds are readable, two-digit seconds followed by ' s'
12 h 40 min 24 s
